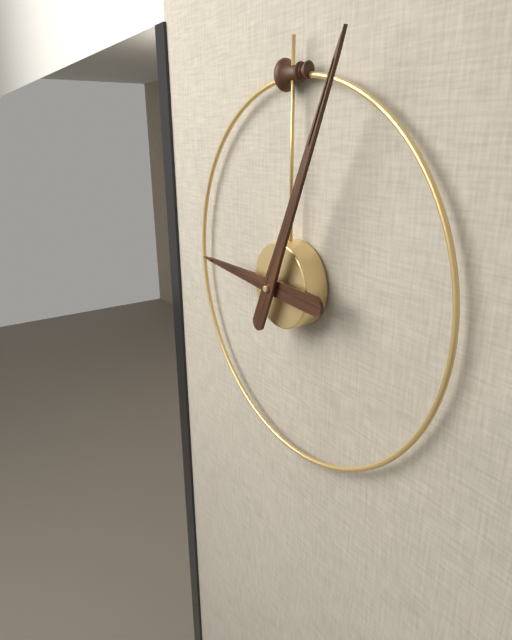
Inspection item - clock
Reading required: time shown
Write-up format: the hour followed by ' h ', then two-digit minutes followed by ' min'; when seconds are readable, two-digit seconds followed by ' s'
9 h 04 min
